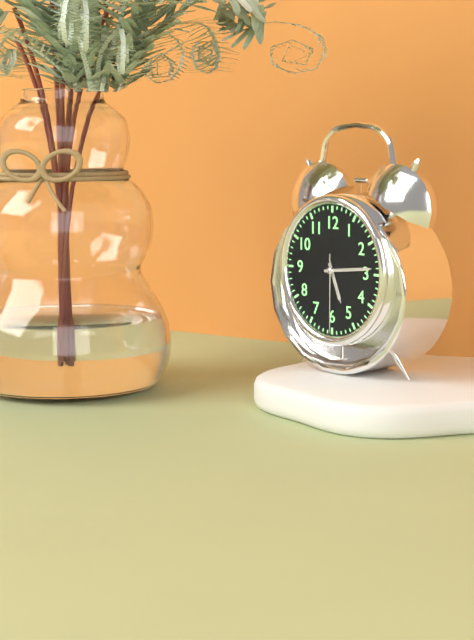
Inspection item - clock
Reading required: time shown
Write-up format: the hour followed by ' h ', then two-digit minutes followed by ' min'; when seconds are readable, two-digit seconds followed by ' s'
5 h 14 min 30 s
